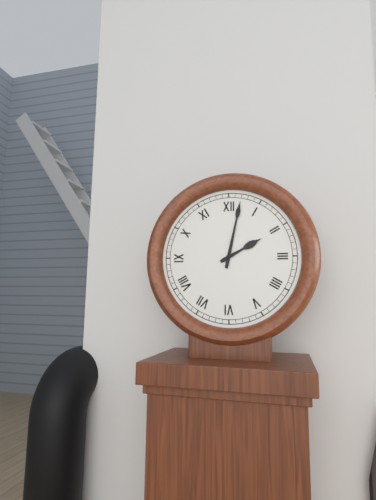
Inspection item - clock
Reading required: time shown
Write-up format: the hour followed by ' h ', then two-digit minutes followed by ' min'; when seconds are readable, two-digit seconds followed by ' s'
2 h 02 min
